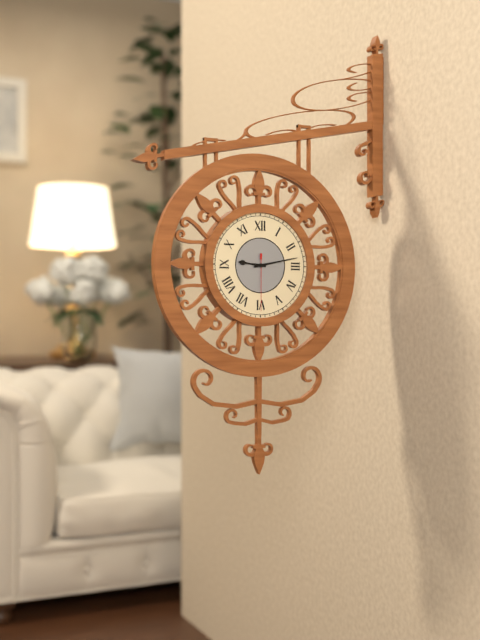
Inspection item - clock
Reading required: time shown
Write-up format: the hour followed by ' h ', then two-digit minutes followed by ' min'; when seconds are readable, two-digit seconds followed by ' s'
9 h 13 min 30 s
